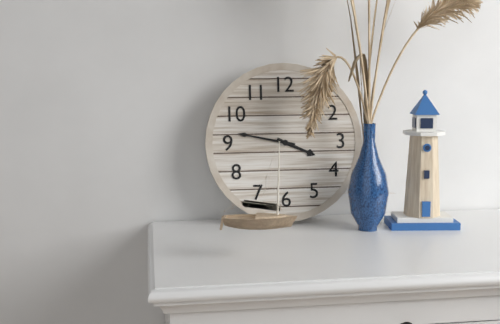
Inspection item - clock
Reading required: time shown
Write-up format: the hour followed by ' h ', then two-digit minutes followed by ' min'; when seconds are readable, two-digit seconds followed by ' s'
3 h 47 min
